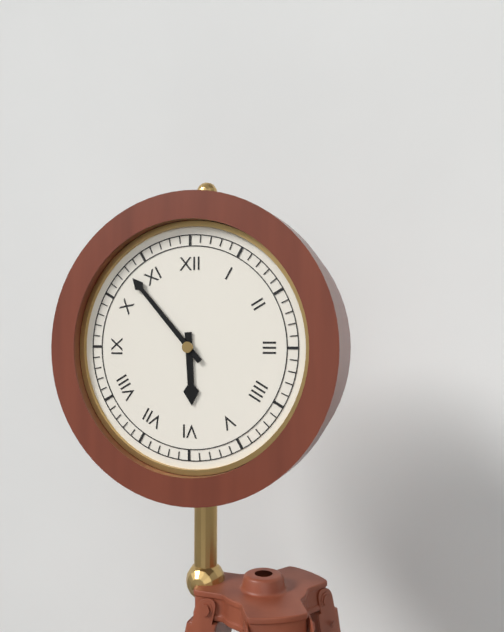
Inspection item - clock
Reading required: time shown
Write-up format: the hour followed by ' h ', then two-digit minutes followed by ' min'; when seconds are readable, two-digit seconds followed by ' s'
5 h 53 min
